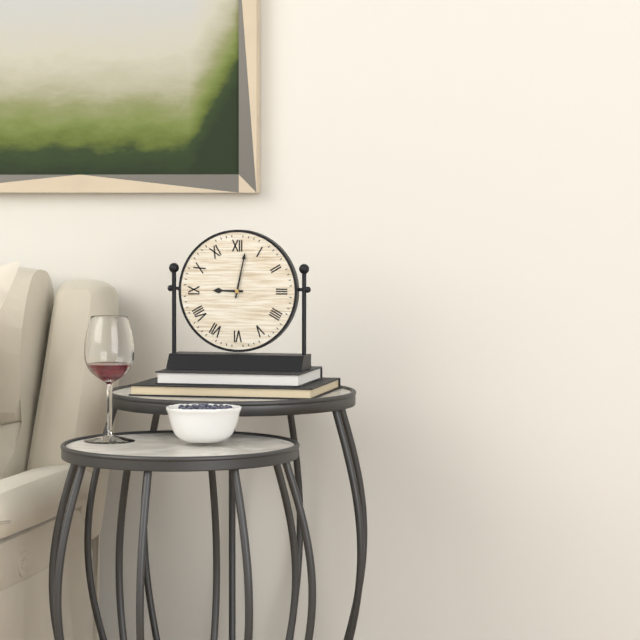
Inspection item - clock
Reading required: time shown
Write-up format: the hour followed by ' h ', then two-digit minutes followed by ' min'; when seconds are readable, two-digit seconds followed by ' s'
9 h 02 min
